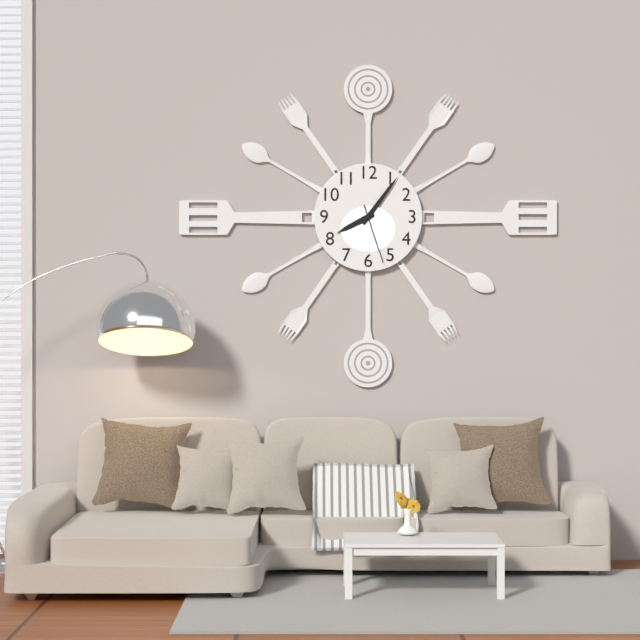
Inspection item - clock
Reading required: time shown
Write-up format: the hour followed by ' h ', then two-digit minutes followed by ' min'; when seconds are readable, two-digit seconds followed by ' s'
8 h 06 min 27 s
